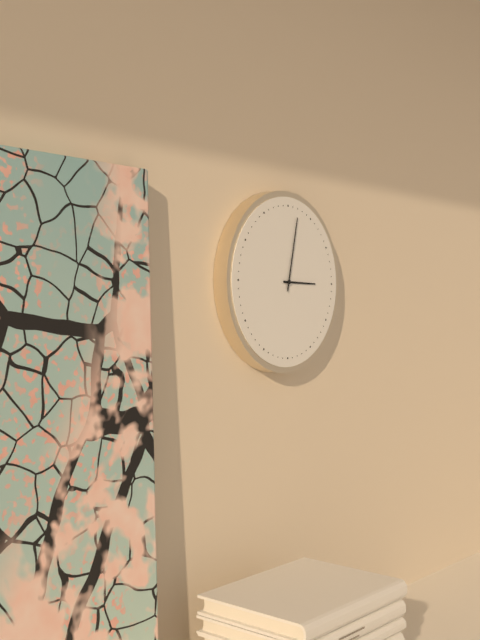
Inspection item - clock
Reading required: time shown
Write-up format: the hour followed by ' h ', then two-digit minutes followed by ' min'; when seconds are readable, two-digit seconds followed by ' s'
3 h 02 min
